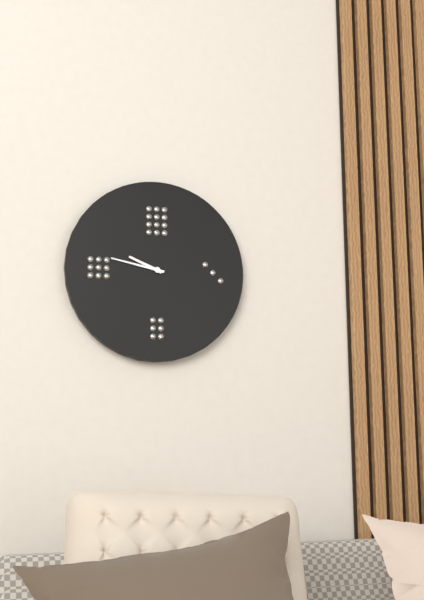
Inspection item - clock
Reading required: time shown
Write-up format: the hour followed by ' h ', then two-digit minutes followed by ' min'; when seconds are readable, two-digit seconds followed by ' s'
9 h 47 min
